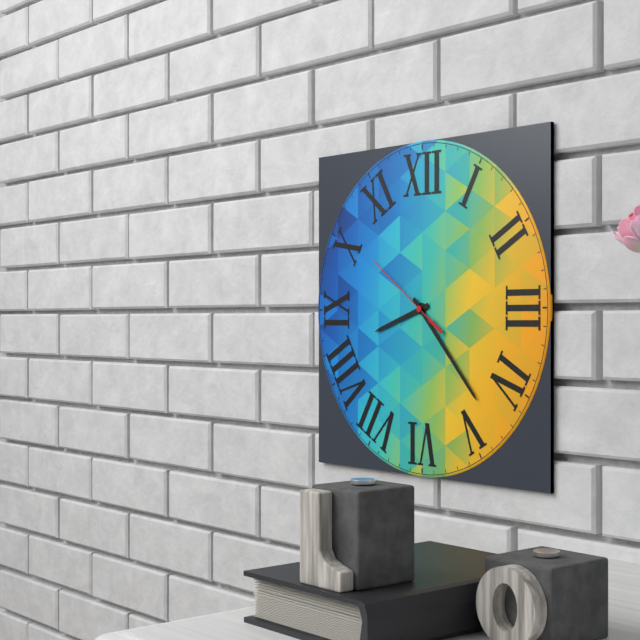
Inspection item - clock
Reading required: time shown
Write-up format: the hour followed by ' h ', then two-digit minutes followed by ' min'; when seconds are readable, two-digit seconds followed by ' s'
8 h 23 min 51 s
